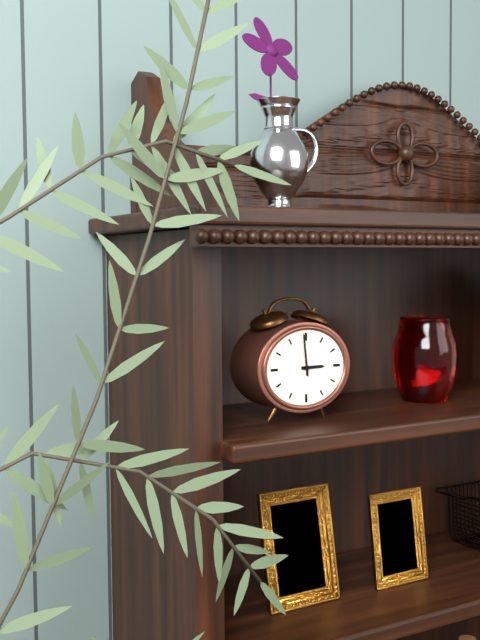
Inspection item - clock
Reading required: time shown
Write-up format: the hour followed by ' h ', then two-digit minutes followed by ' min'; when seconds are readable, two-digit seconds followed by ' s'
2 h 59 min
